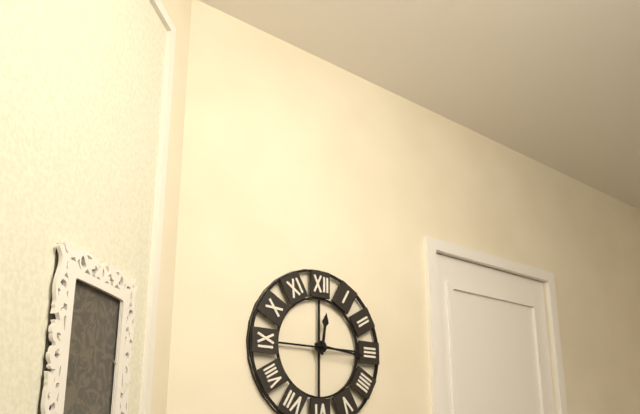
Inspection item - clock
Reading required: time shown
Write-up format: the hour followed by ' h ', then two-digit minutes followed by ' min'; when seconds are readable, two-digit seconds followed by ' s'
12 h 16 min
